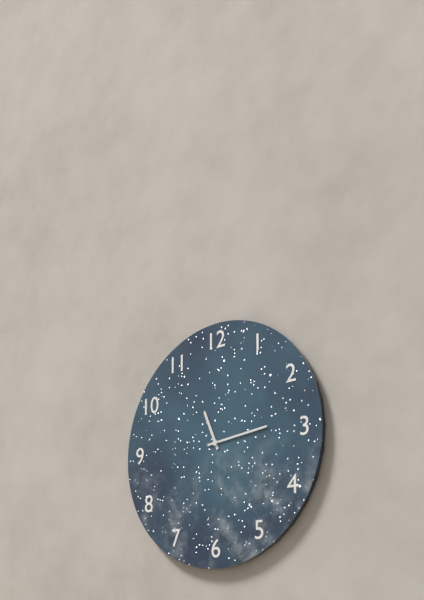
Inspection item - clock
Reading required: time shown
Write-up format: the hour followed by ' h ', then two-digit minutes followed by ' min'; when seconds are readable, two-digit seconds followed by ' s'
11 h 14 min
